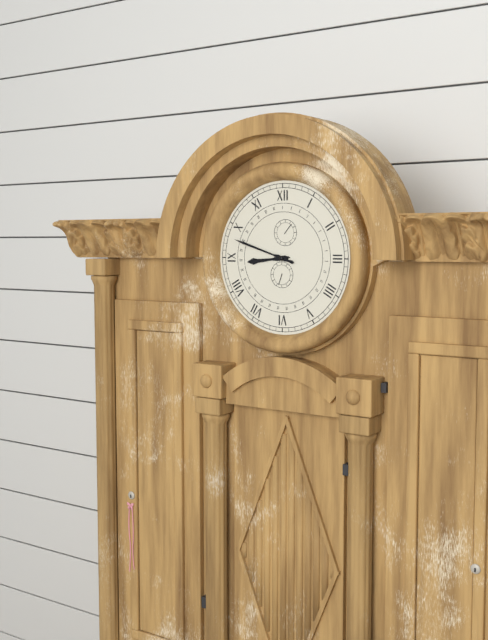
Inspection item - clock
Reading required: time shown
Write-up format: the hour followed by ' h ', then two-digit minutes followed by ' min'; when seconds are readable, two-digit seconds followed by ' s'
8 h 48 min
